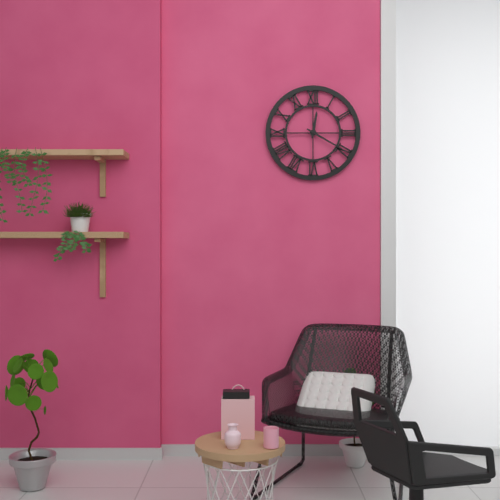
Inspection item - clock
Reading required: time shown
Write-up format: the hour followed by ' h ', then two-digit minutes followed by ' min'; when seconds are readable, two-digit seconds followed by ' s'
12 h 20 min
